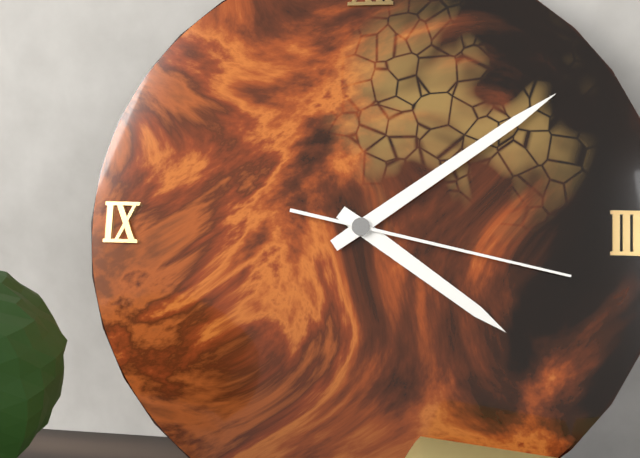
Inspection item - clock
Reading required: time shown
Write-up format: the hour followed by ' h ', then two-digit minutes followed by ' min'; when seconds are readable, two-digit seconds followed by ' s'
4 h 09 min 17 s
